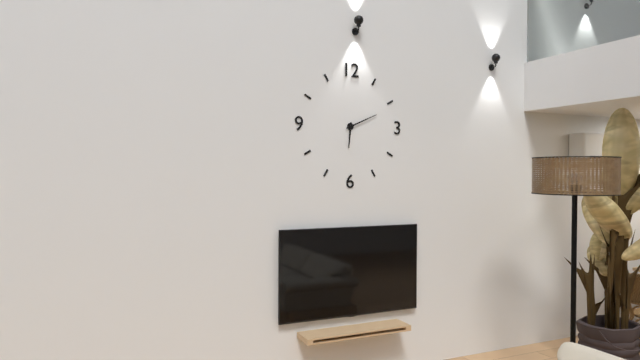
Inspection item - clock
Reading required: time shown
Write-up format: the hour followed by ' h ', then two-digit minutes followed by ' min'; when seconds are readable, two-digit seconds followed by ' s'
6 h 11 min
